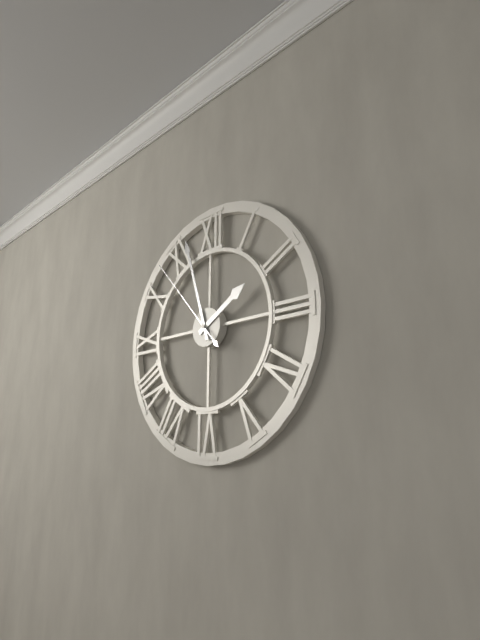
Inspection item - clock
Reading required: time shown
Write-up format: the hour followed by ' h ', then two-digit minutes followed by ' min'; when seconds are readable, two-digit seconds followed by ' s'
1 h 57 min 53 s
